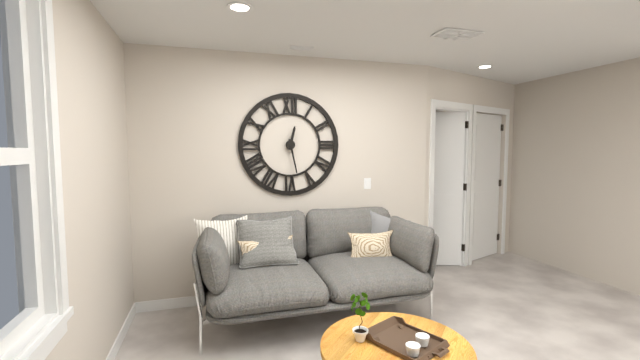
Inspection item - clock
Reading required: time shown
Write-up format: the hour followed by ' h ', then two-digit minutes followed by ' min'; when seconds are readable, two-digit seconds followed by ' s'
12 h 28 min
